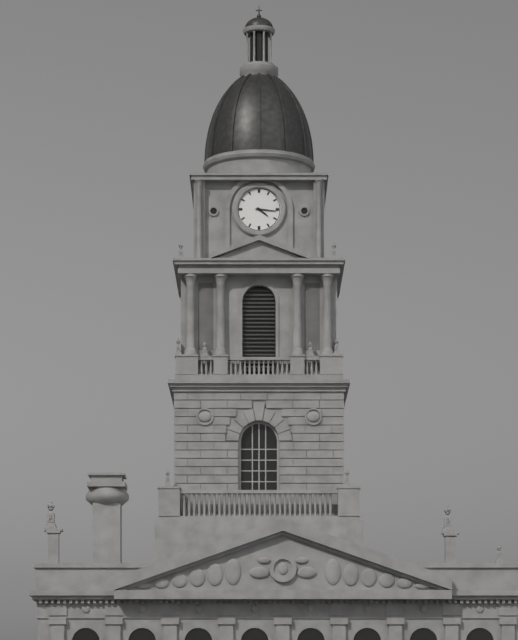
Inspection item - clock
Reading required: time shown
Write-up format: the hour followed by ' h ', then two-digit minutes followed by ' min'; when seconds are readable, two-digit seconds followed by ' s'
4 h 16 min
